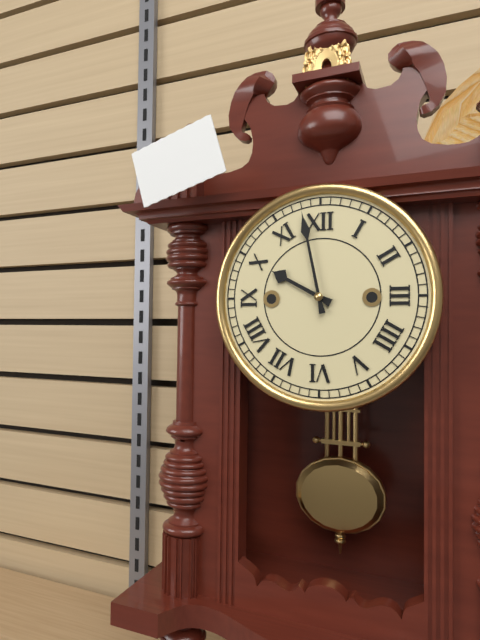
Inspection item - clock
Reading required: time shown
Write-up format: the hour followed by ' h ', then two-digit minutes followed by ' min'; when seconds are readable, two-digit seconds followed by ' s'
9 h 58 min
